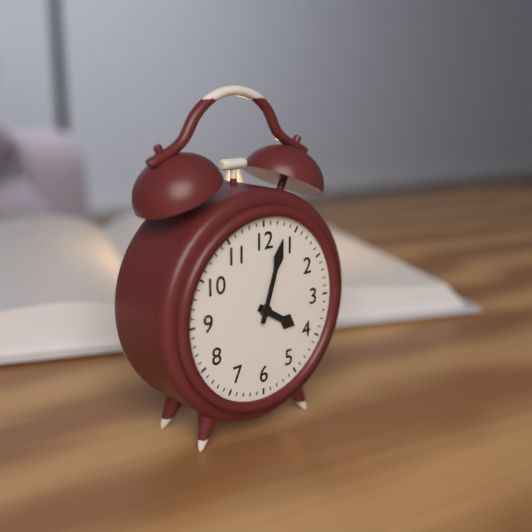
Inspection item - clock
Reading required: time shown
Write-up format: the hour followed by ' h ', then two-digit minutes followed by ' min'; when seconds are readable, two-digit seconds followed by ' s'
4 h 03 min
